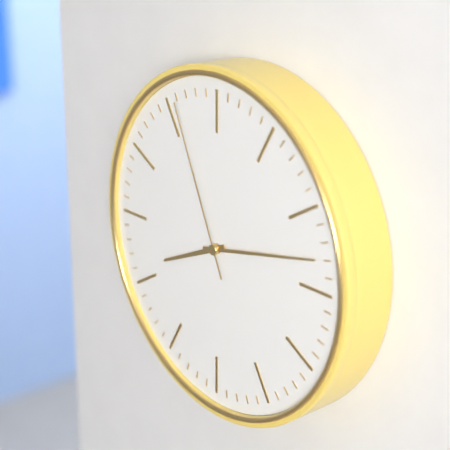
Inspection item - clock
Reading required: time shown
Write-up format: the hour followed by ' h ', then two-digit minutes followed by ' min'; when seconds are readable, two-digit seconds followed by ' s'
8 h 13 min 56 s
